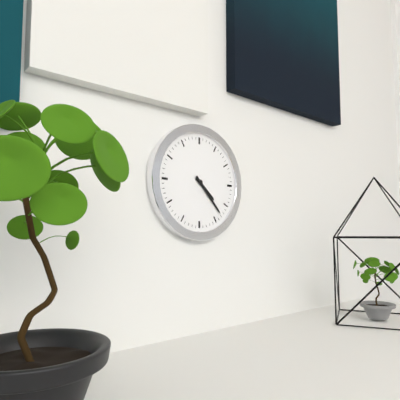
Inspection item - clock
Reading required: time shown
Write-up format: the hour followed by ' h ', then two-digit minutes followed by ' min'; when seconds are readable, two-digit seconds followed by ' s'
4 h 23 min
